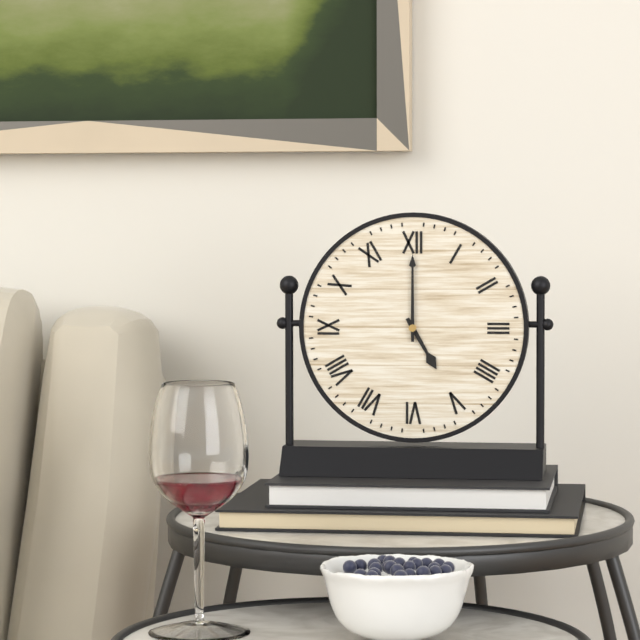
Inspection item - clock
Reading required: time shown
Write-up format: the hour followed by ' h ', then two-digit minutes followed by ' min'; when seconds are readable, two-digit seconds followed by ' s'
5 h 00 min
